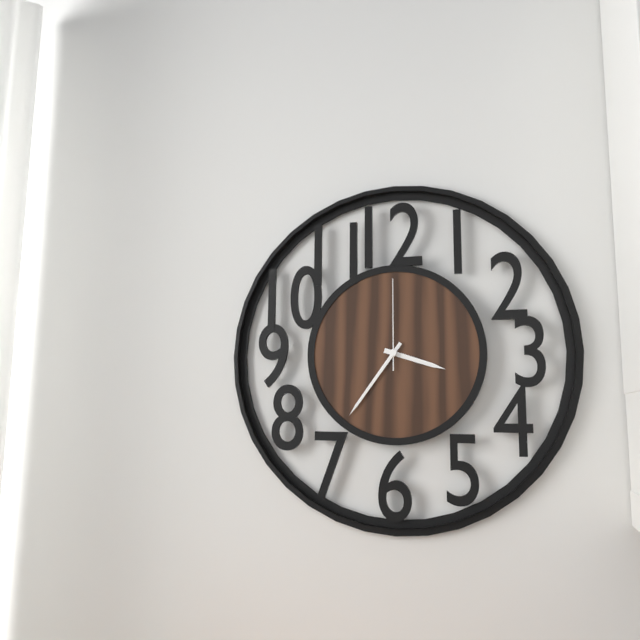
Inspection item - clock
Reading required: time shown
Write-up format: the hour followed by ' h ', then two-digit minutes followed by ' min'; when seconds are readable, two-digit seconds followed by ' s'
3 h 36 min 00 s
